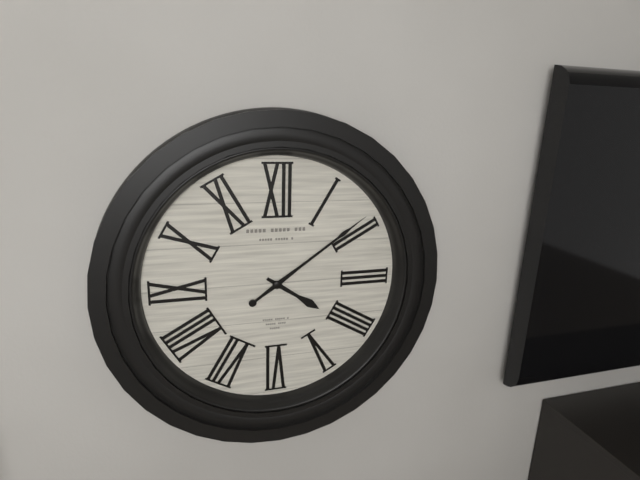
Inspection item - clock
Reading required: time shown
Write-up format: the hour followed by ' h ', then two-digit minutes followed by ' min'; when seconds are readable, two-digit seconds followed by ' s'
4 h 09 min
